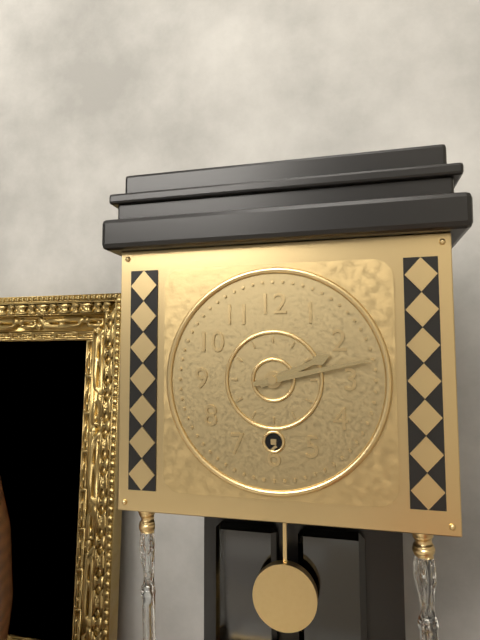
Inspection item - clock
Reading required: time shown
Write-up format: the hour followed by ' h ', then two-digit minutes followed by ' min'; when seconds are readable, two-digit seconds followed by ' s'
2 h 13 min
